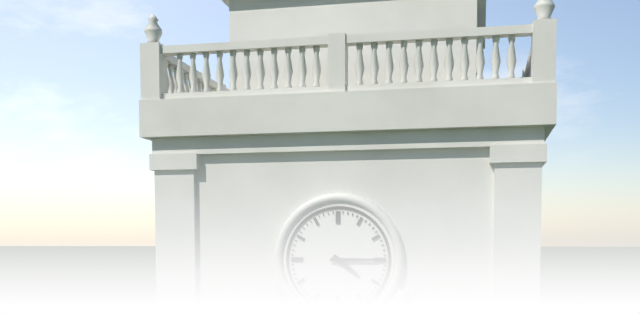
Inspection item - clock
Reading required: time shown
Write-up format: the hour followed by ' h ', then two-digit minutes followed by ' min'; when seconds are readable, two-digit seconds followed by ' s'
4 h 15 min
